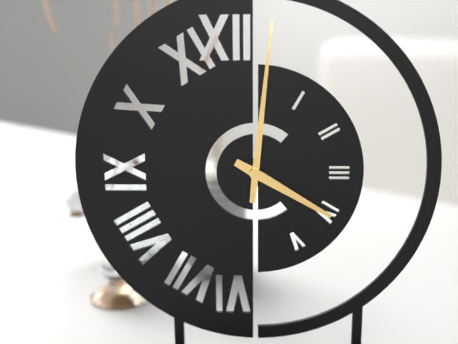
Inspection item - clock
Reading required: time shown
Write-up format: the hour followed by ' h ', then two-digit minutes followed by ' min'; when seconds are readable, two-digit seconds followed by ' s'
4 h 01 min
